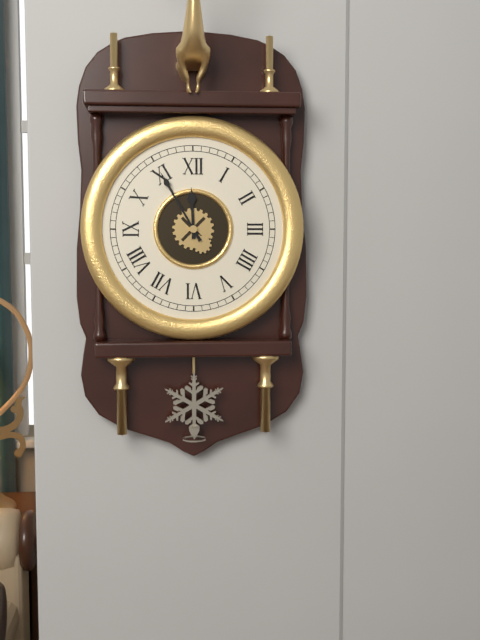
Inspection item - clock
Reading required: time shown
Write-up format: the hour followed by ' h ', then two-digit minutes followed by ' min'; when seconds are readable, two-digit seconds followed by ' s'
11 h 55 min
